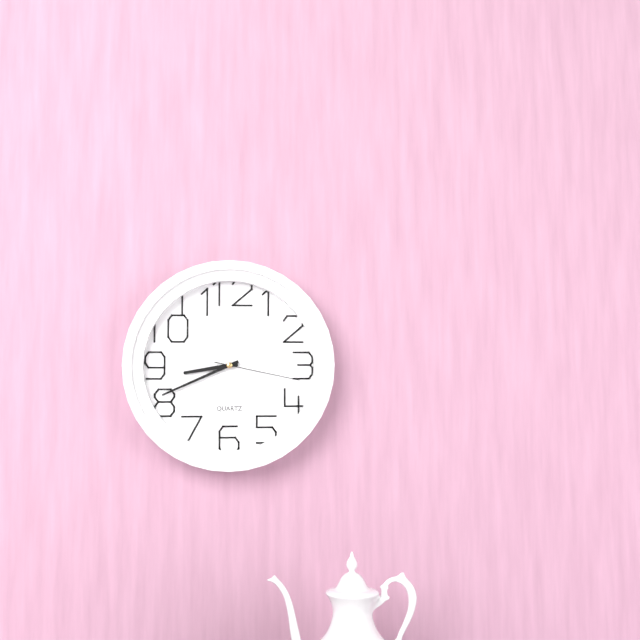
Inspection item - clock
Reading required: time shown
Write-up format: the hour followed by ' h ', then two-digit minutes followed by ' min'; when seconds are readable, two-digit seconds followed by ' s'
8 h 41 min 17 s
